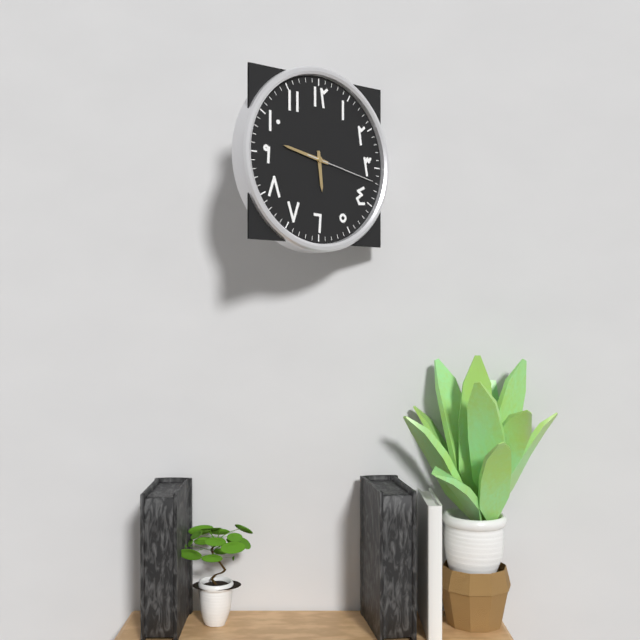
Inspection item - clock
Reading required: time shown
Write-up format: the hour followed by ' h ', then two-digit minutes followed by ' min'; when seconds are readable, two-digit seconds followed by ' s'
5 h 47 min 17 s
